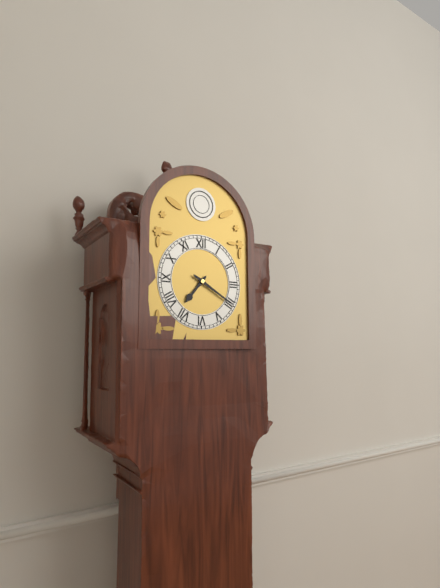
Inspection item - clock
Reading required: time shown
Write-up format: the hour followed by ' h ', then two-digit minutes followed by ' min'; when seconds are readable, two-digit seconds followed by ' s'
7 h 20 min
